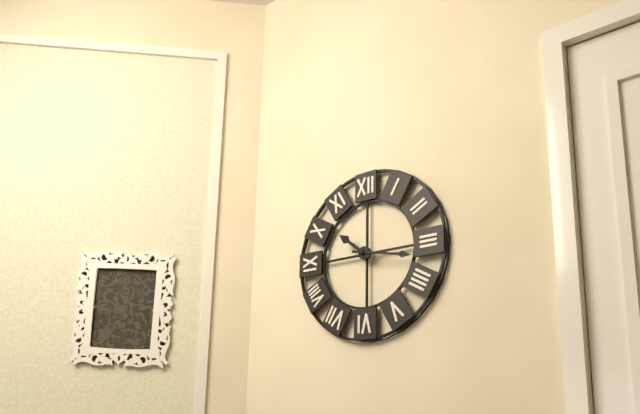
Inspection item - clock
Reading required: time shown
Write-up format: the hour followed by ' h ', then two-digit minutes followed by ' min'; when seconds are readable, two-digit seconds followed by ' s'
10 h 17 min
